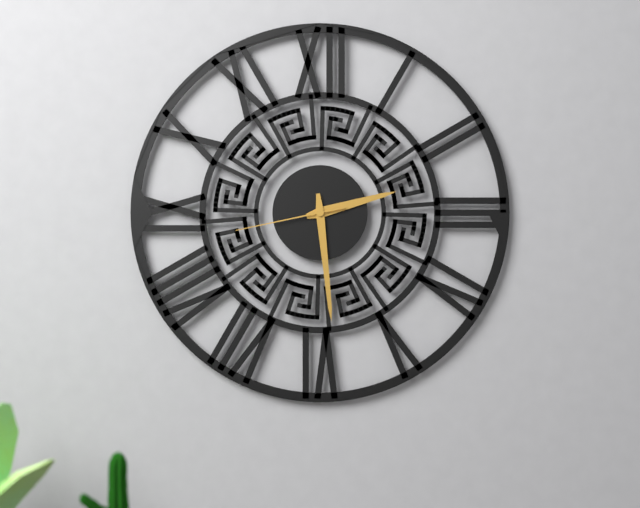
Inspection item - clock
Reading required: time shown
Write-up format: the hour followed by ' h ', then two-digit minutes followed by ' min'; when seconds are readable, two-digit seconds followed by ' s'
2 h 29 min 43 s
